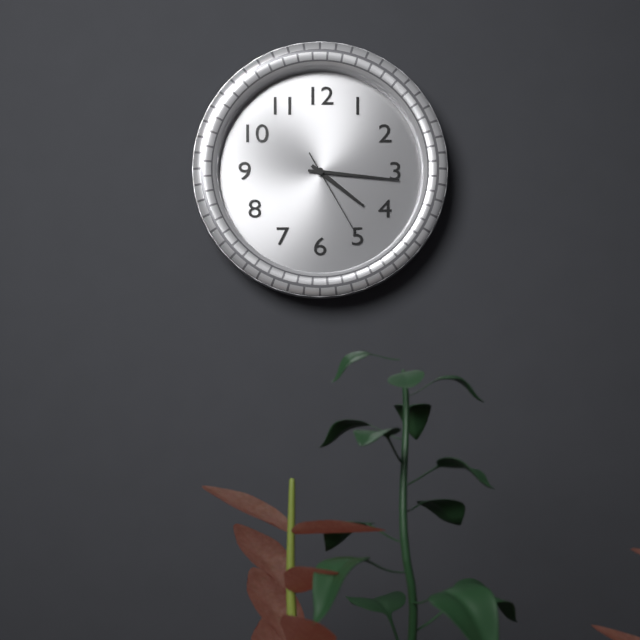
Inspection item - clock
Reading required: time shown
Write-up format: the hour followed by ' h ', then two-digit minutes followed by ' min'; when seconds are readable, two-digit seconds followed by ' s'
4 h 16 min 25 s
